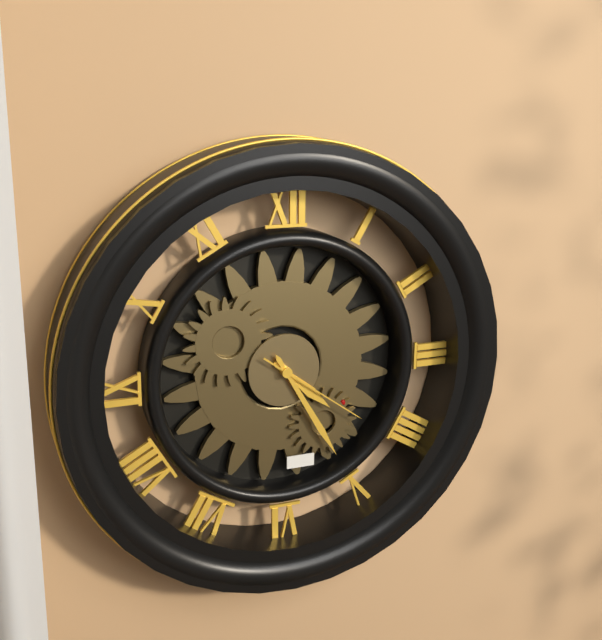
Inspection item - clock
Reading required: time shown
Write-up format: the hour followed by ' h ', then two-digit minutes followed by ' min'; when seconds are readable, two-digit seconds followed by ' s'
4 h 25 min 21 s
